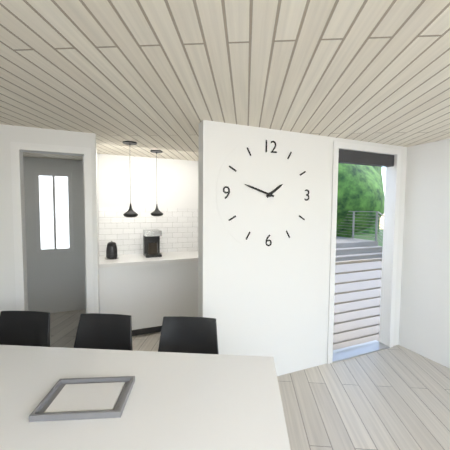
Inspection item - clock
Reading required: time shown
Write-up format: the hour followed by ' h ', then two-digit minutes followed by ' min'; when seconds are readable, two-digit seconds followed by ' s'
1 h 48 min
